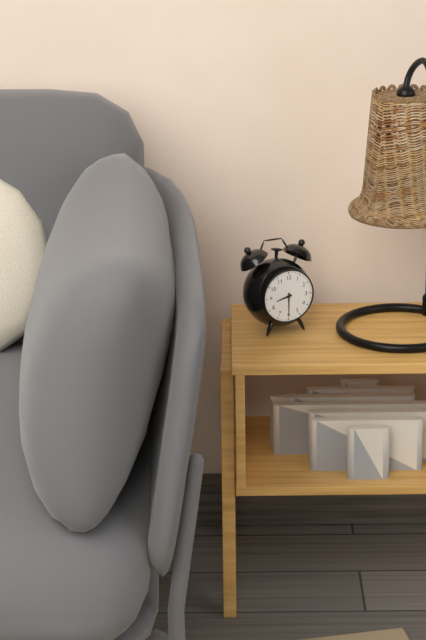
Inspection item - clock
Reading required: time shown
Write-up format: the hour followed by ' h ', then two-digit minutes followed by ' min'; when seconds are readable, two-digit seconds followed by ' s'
8 h 30 min
